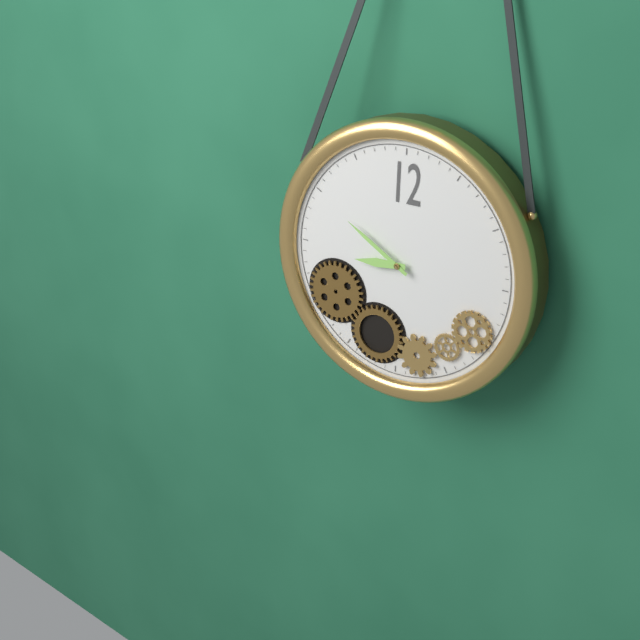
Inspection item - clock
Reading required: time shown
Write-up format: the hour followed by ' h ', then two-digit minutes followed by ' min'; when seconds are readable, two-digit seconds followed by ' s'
8 h 50 min
